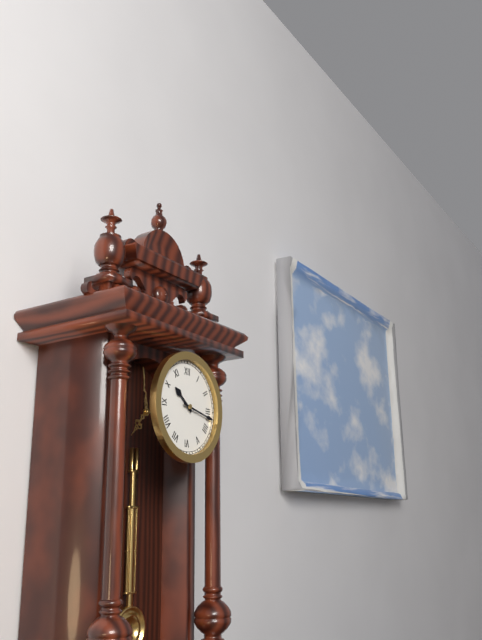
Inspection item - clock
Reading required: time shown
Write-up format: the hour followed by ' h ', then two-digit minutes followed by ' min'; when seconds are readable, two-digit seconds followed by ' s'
10 h 17 min
